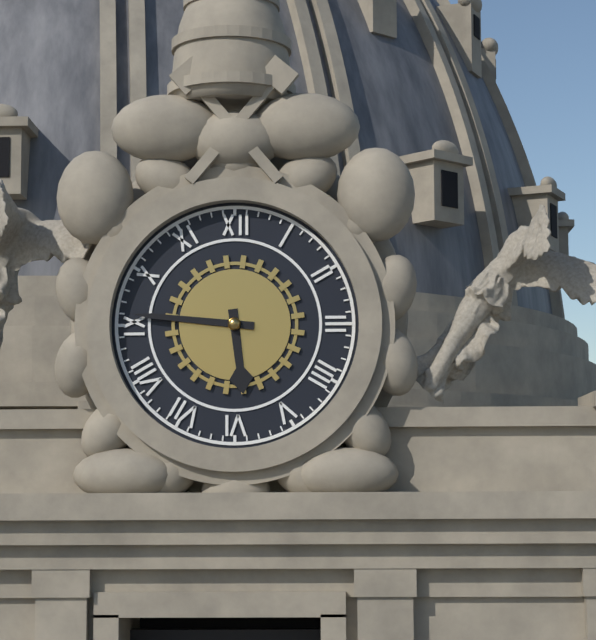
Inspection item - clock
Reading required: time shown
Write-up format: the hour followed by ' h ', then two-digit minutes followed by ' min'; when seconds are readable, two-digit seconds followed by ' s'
5 h 46 min
